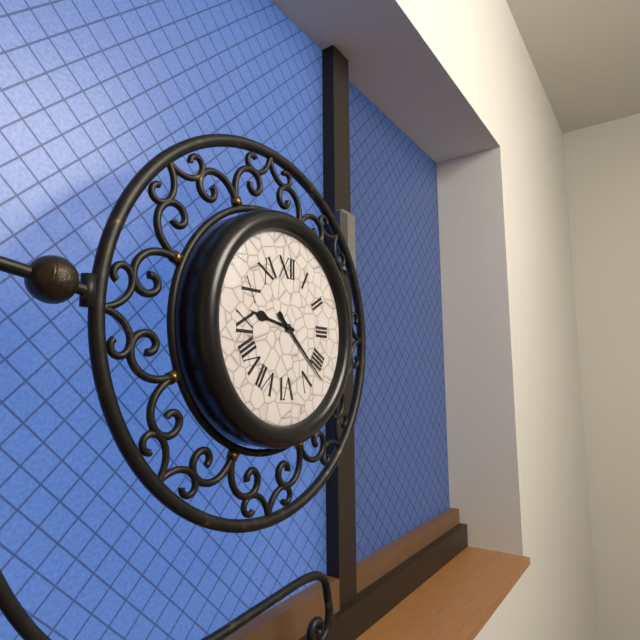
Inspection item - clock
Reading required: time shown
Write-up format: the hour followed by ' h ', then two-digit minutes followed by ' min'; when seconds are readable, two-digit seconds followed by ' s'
9 h 22 min
